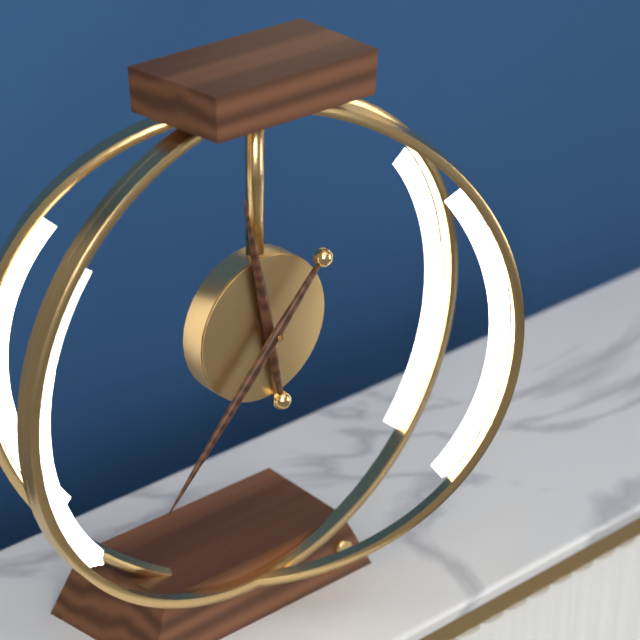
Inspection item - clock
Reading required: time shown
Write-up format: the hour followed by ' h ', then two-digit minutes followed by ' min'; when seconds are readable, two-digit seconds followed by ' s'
11 h 37 min
